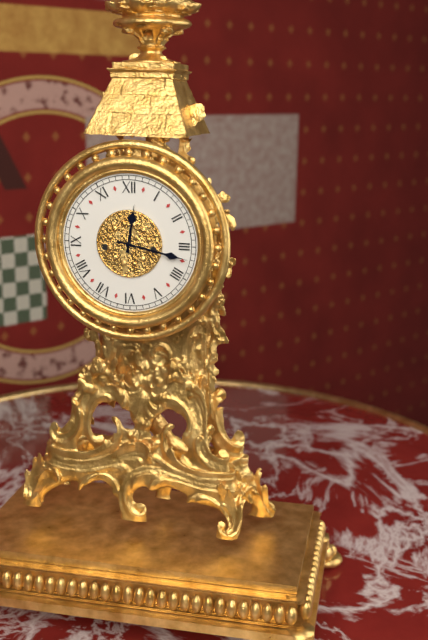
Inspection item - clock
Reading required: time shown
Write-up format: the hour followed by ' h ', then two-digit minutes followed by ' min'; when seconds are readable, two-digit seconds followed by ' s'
12 h 17 min
